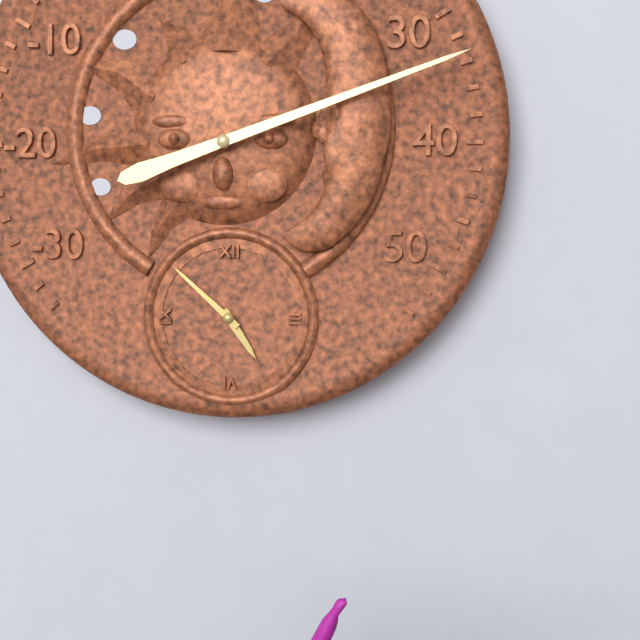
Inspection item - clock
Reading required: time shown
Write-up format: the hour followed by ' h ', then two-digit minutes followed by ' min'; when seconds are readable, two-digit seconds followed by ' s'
4 h 52 min
